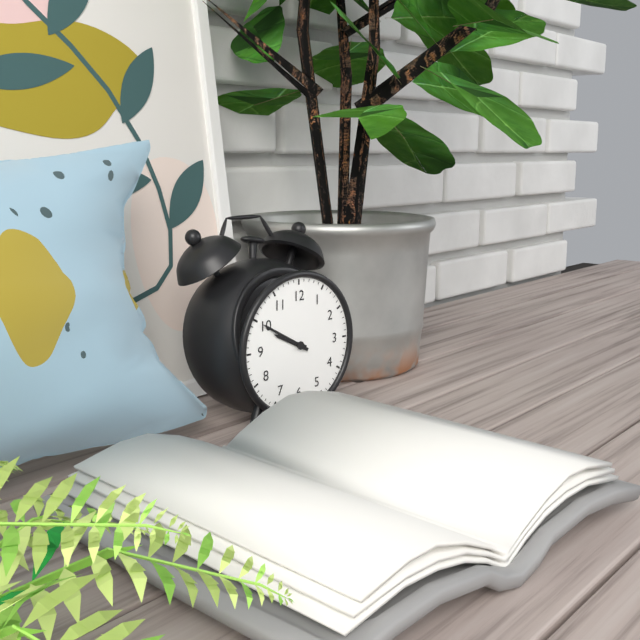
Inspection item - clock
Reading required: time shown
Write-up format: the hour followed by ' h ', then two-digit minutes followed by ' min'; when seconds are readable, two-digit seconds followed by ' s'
9 h 50 min
